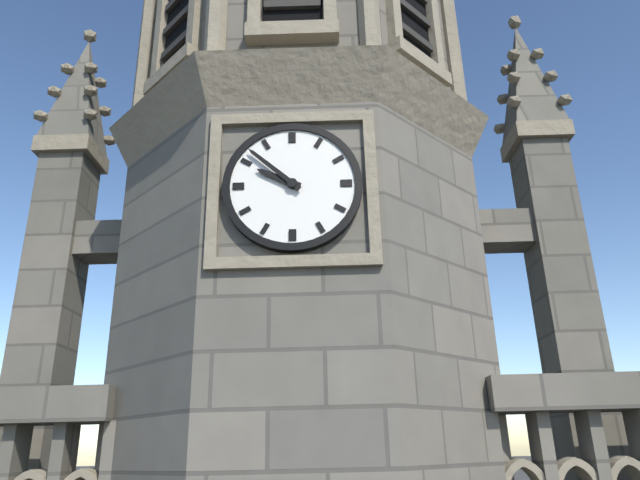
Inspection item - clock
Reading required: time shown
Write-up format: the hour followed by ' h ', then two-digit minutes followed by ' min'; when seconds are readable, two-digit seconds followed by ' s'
9 h 52 min
